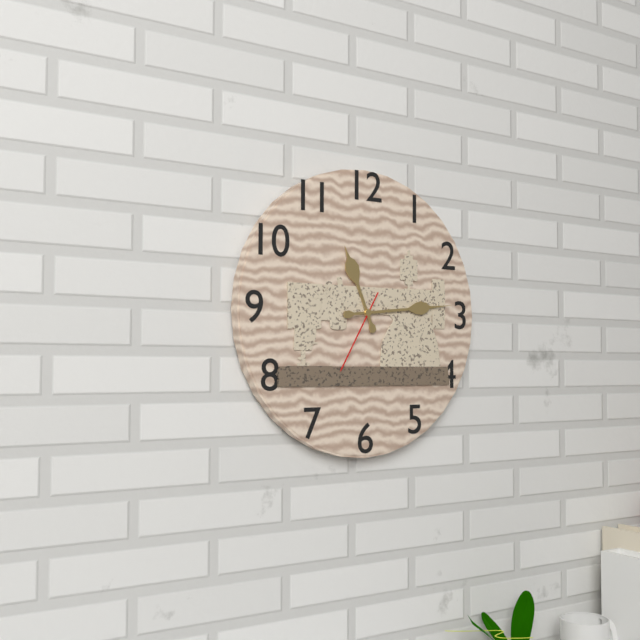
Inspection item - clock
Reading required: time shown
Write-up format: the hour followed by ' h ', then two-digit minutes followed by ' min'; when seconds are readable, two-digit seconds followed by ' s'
11 h 14 min 35 s
